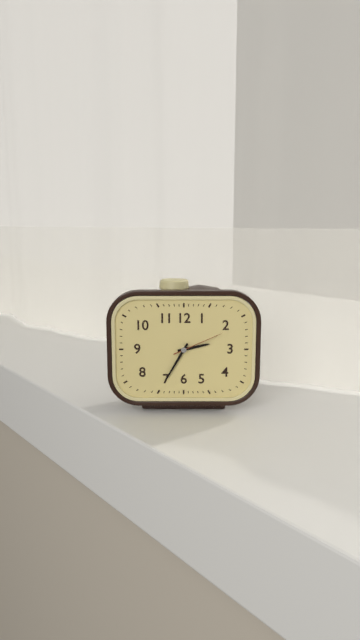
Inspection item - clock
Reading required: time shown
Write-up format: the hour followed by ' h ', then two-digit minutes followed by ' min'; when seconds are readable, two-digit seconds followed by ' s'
2 h 35 min 11 s
